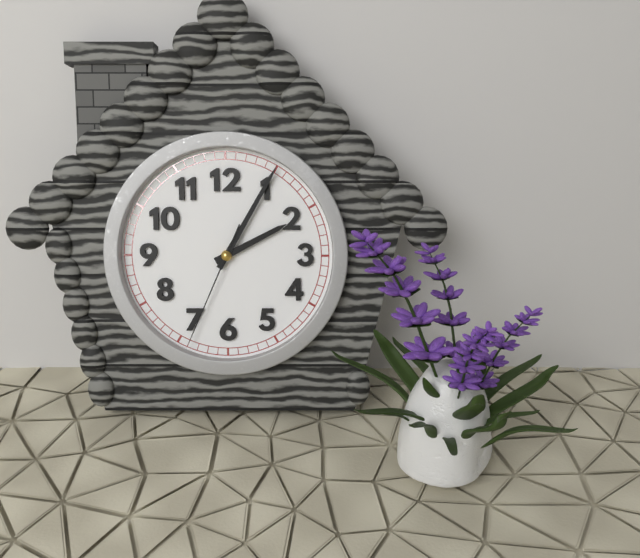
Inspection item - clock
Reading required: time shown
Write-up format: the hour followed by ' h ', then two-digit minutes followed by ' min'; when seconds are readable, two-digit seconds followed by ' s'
2 h 05 min 34 s
